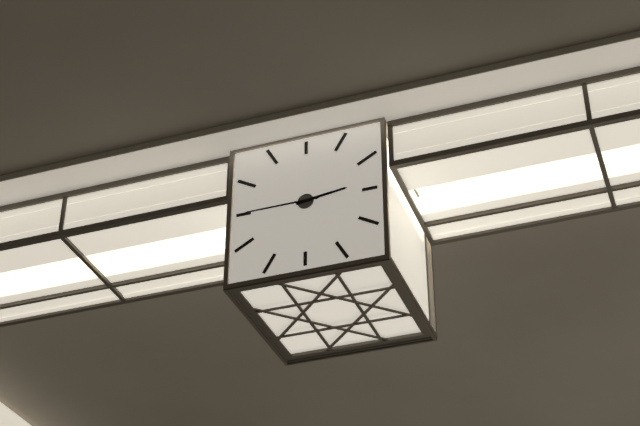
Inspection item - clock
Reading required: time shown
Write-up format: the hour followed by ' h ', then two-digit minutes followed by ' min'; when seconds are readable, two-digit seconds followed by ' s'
2 h 45 min
